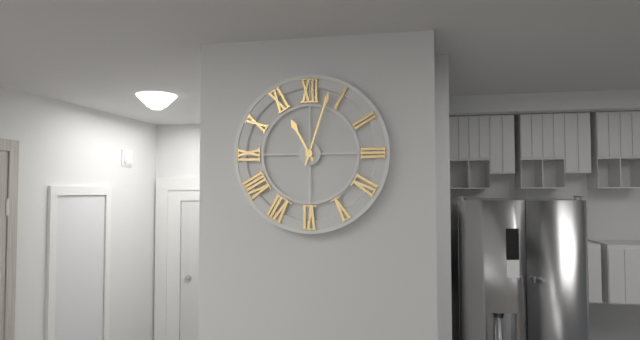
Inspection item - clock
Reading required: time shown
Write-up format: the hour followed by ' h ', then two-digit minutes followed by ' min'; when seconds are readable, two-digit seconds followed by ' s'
11 h 03 min
